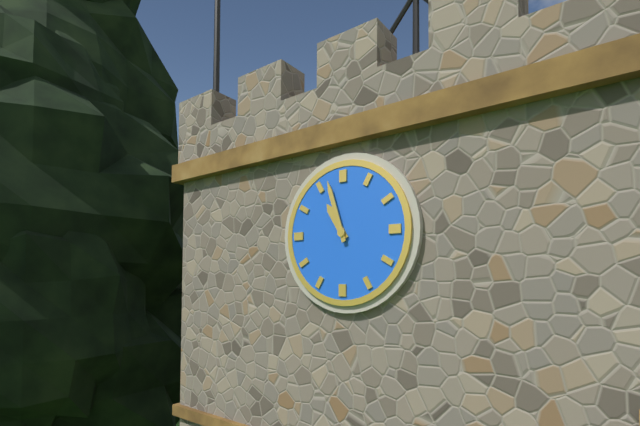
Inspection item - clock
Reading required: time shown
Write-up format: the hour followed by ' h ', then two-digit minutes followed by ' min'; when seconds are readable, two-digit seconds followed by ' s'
10 h 57 min
